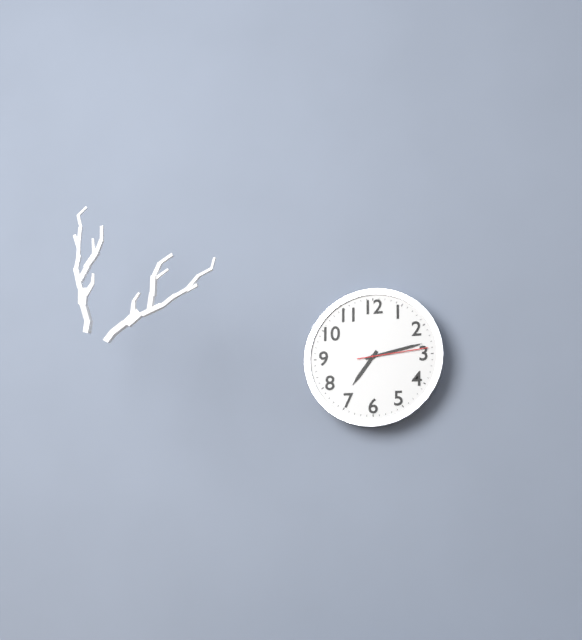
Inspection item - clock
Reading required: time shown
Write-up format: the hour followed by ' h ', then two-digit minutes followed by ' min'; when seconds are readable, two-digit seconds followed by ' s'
7 h 13 min 14 s
